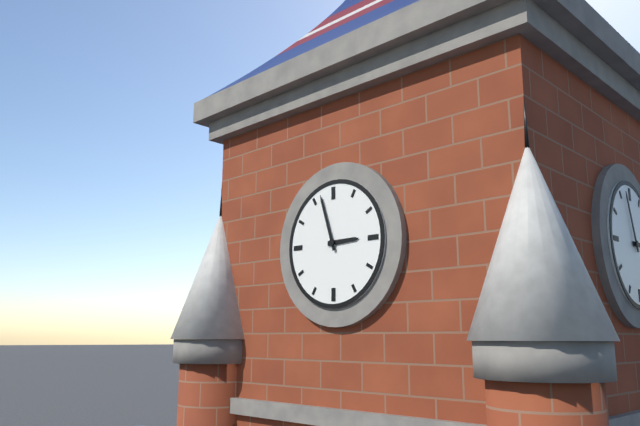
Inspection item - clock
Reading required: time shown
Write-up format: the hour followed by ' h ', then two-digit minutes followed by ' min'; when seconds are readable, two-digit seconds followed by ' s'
2 h 57 min
